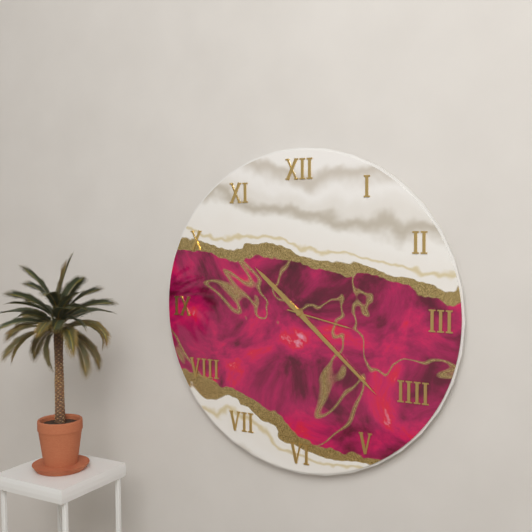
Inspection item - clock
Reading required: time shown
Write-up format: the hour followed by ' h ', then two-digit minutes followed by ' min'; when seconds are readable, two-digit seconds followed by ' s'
10 h 22 min 17 s
